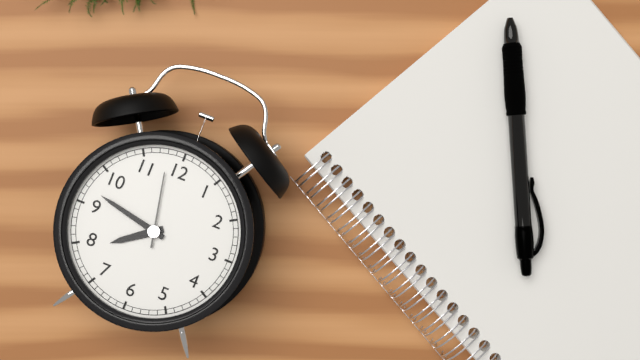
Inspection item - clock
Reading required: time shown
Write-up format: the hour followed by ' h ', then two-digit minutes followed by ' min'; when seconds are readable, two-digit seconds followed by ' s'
7 h 47 min 58 s
